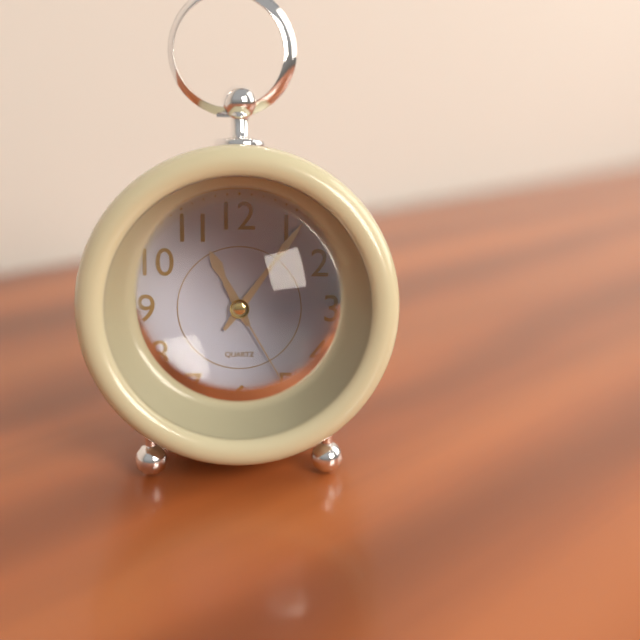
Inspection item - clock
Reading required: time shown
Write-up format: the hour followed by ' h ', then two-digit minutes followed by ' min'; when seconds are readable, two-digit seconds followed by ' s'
11 h 06 min 25 s
